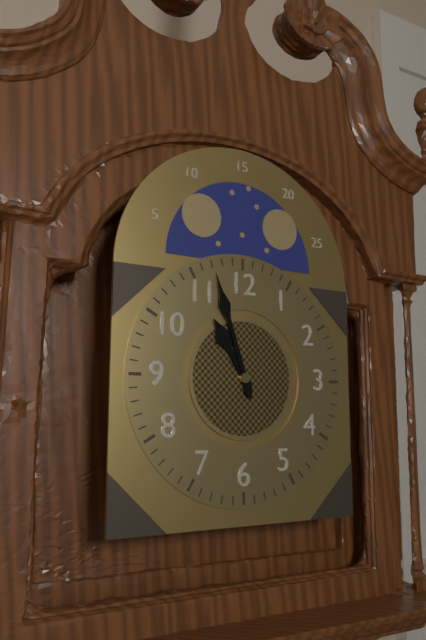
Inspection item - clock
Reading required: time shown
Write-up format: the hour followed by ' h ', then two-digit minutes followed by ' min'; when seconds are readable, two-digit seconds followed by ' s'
10 h 57 min
